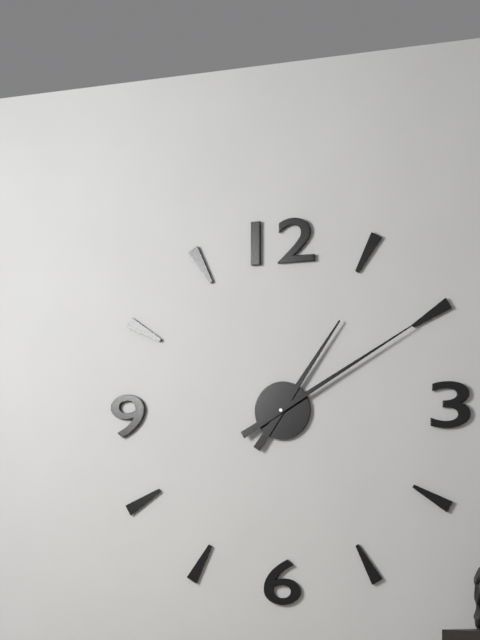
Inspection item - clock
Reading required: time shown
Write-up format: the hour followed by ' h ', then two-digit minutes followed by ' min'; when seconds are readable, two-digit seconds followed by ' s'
1 h 10 min
